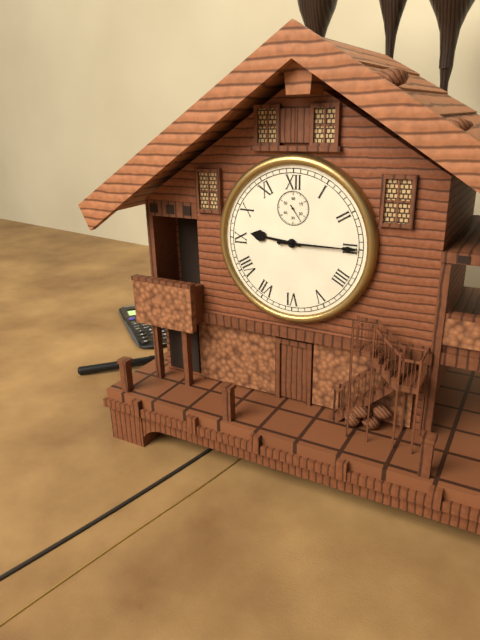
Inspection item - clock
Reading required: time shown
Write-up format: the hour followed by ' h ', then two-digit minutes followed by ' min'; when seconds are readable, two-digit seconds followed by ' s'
9 h 15 min
